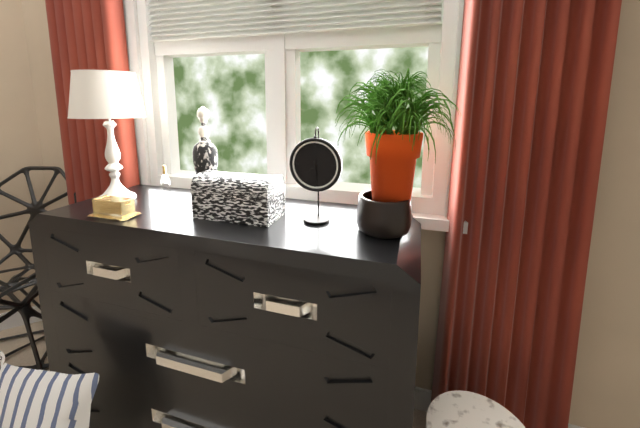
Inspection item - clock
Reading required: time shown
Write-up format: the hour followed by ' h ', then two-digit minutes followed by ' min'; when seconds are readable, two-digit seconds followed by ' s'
7 h 29 min
